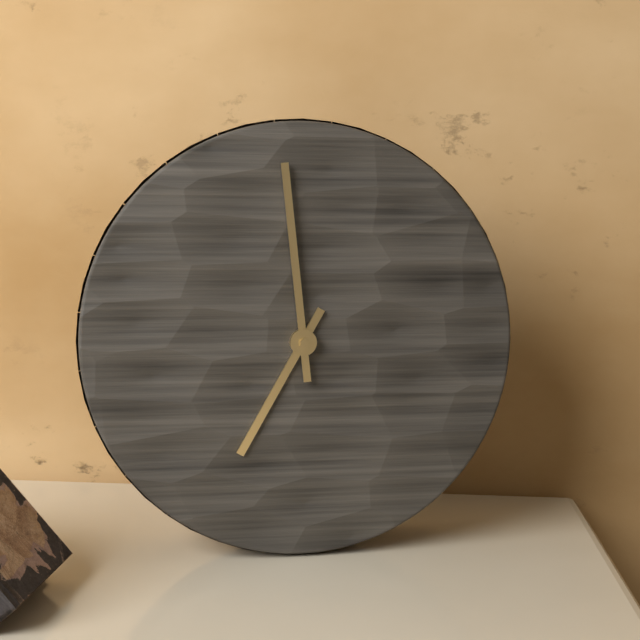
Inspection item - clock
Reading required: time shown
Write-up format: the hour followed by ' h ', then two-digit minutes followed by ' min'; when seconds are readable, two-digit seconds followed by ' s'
6 h 59 min
